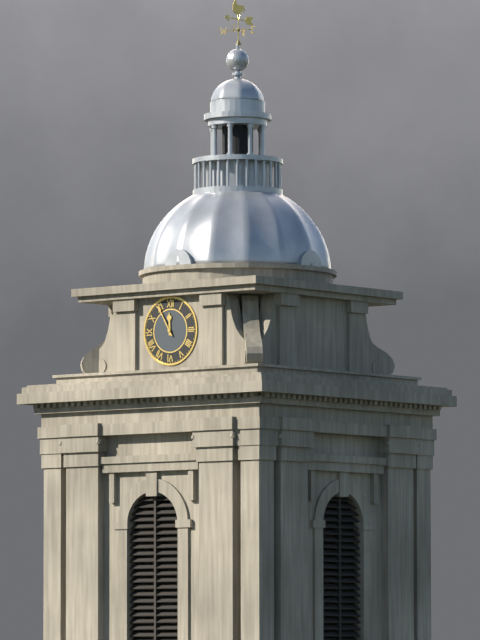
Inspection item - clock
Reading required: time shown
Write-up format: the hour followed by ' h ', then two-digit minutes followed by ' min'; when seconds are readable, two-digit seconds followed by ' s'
11 h 55 min
